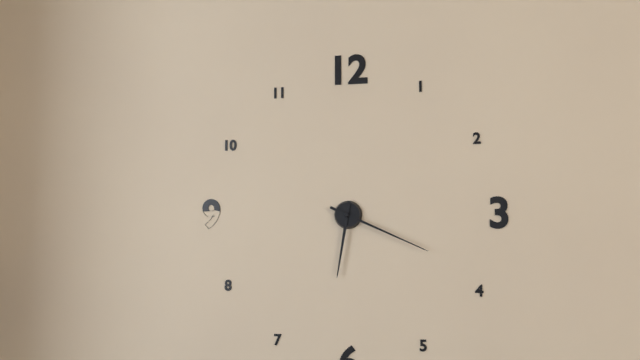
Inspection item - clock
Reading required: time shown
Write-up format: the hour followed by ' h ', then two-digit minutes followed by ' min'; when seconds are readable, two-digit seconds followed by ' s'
6 h 19 min
